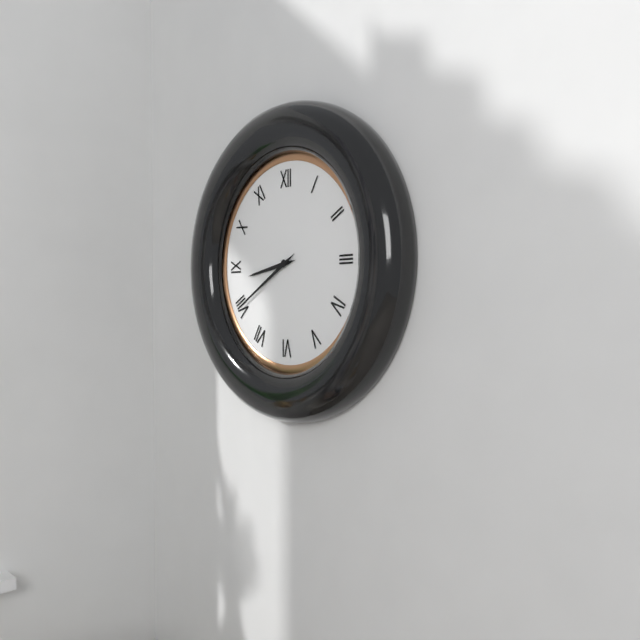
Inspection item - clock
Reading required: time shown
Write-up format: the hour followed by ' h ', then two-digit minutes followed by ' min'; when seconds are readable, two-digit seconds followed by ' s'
8 h 40 min
